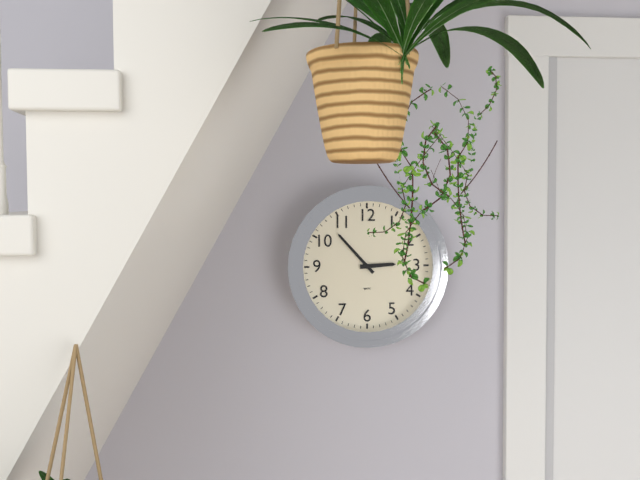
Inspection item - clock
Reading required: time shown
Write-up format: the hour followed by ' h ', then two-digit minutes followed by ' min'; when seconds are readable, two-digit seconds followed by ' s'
2 h 53 min
